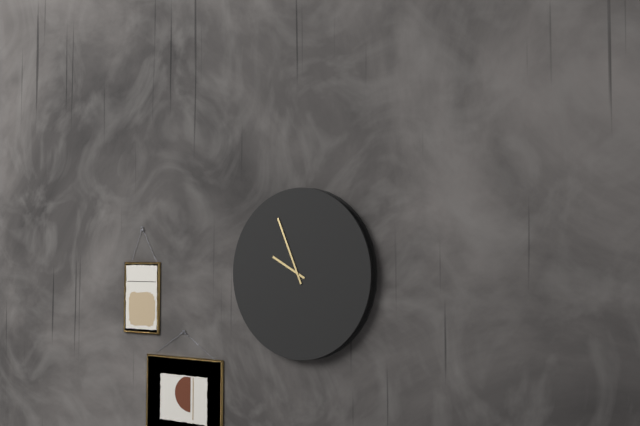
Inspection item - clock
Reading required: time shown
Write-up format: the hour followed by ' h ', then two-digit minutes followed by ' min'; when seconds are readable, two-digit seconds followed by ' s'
9 h 56 min
